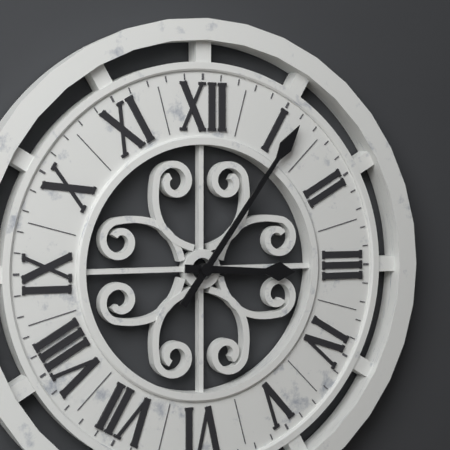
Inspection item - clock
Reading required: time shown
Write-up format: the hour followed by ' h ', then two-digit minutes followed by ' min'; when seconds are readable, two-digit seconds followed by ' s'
3 h 06 min
